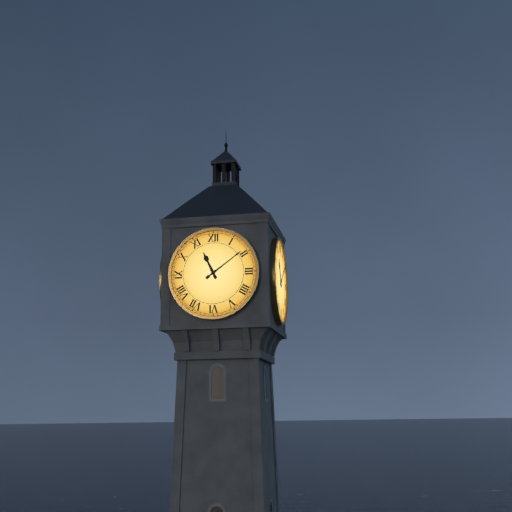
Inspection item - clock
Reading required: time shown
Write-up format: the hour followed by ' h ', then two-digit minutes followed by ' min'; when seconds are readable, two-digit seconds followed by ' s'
11 h 09 min
